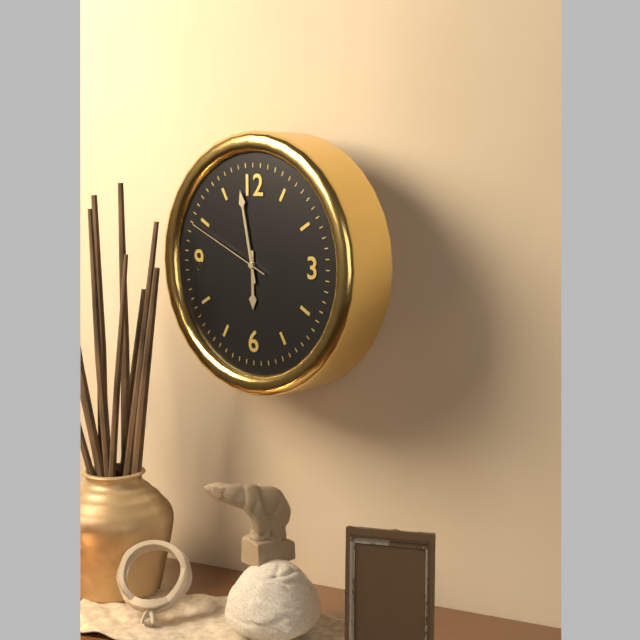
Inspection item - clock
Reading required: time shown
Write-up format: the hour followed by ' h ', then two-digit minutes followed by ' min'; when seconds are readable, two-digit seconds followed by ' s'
5 h 58 min 49 s
